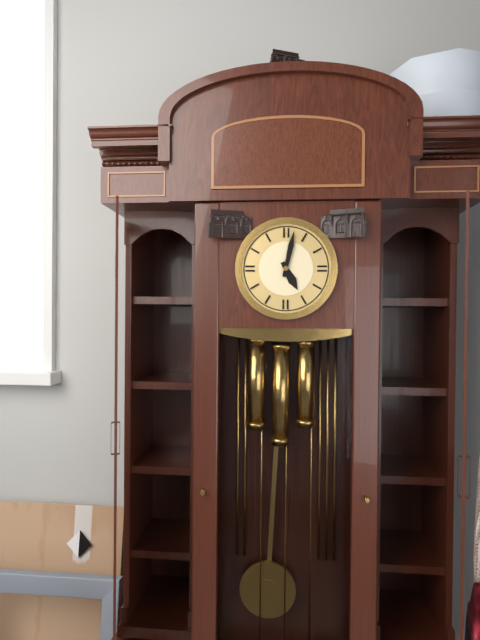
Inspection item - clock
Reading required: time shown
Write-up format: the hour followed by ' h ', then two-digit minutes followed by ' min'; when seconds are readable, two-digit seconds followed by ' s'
5 h 02 min
